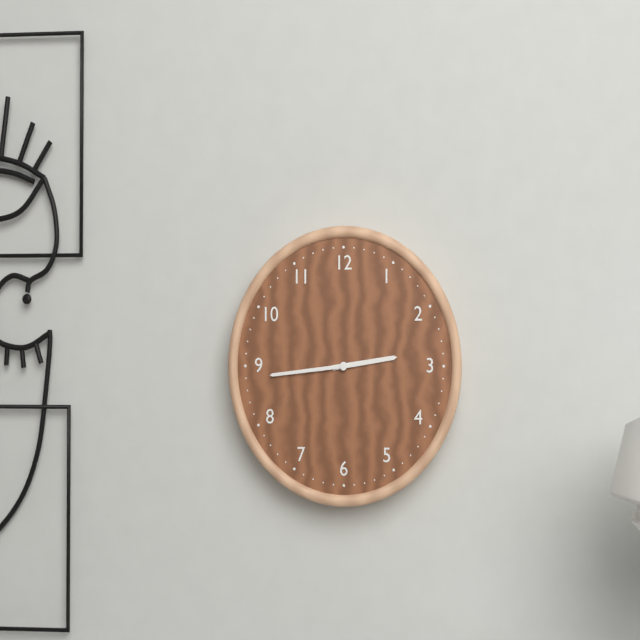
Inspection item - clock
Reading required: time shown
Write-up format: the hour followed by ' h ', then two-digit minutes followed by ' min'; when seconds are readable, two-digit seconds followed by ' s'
2 h 44 min
